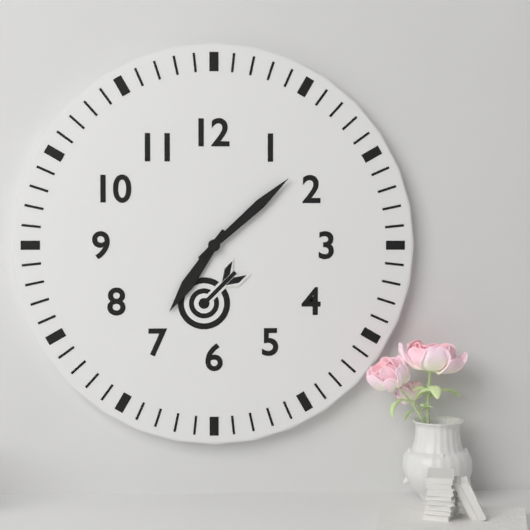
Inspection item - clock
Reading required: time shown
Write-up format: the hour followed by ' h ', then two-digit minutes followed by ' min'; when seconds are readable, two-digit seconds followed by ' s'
7 h 08 min
